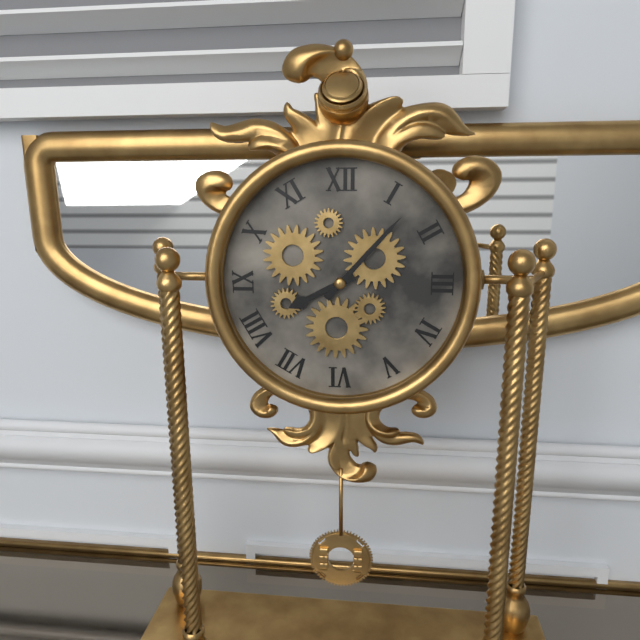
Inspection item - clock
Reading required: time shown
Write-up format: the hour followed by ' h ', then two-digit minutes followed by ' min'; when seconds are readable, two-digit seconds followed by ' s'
8 h 07 min
